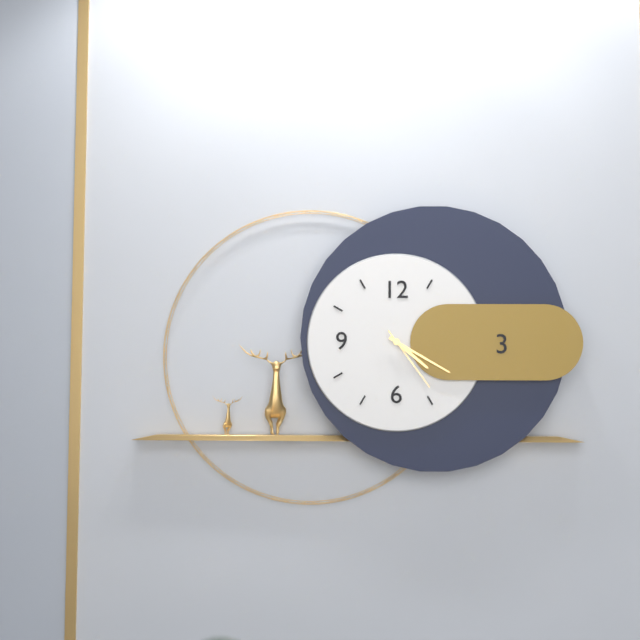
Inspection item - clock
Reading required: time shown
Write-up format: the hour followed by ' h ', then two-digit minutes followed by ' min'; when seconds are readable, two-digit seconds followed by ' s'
4 h 20 min 24 s
